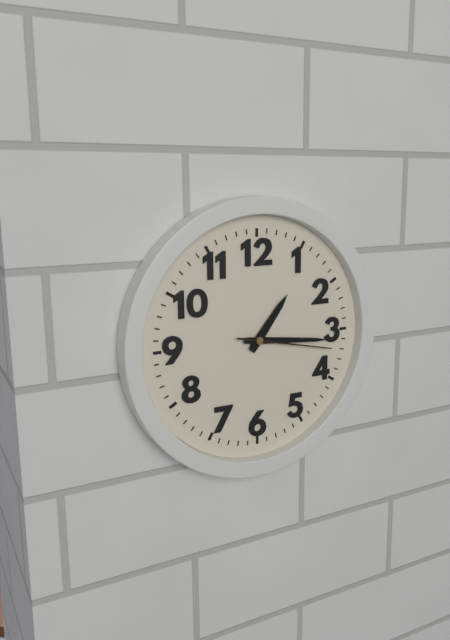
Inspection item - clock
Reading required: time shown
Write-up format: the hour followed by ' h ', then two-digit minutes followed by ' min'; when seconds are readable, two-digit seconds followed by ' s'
1 h 16 min 17 s
